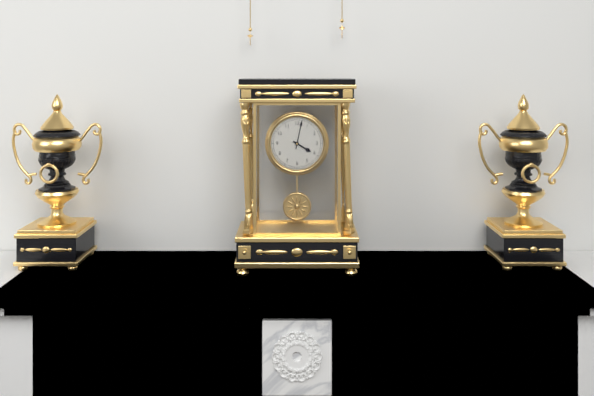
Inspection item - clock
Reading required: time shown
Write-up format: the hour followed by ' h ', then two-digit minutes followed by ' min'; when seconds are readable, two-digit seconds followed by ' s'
4 h 02 min
